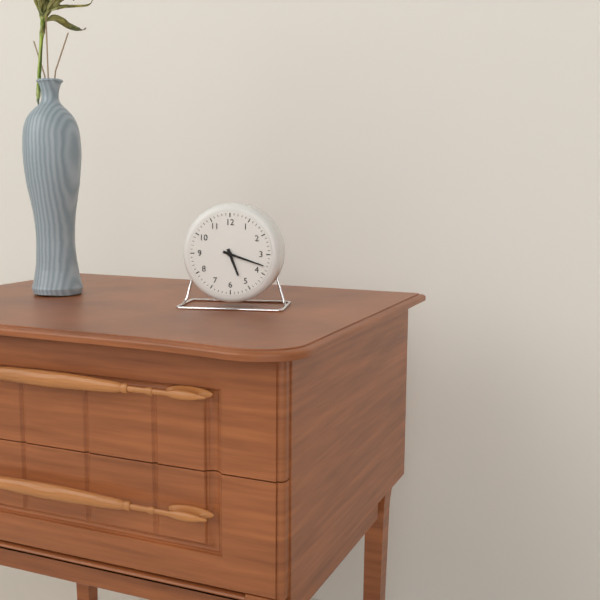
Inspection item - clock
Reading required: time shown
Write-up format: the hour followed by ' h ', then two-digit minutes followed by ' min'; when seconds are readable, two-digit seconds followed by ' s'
5 h 18 min
